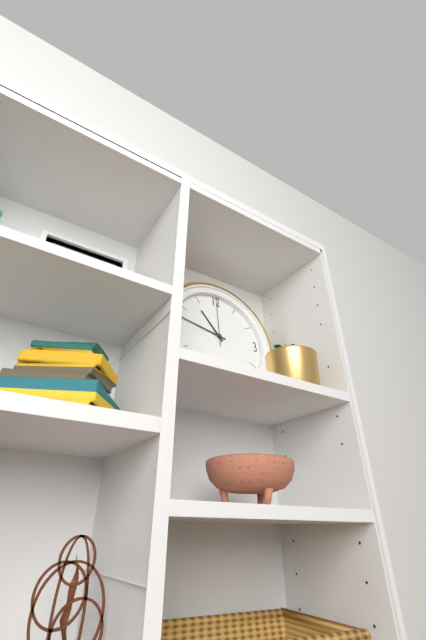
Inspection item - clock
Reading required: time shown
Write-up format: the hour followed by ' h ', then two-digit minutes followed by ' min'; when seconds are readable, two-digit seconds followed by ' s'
10 h 47 min 00 s
